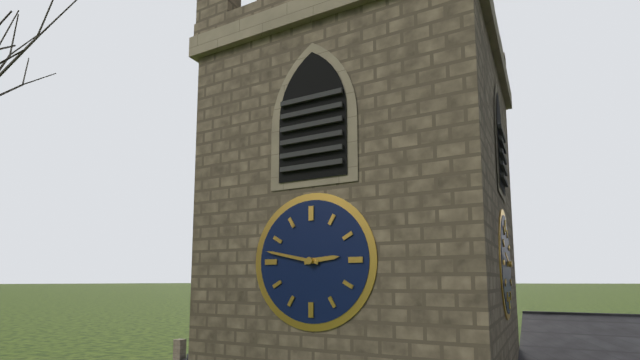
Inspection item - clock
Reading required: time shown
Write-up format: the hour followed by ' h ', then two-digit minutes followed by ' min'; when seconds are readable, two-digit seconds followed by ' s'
2 h 47 min
